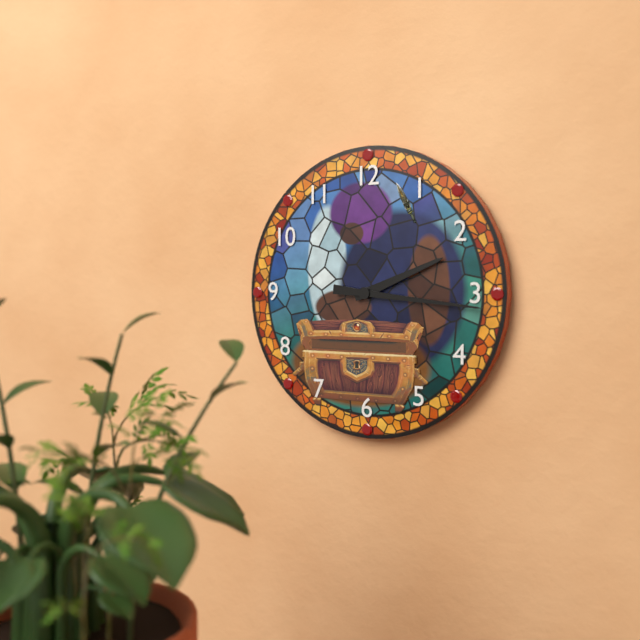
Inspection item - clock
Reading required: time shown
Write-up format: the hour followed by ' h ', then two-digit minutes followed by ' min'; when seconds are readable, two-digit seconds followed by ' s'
2 h 16 min
